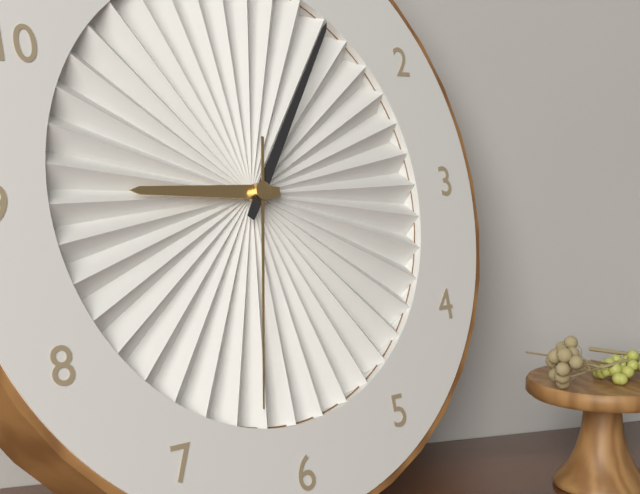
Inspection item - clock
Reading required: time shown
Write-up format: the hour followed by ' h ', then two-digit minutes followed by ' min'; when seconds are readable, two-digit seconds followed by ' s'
9 h 06 min 32 s
